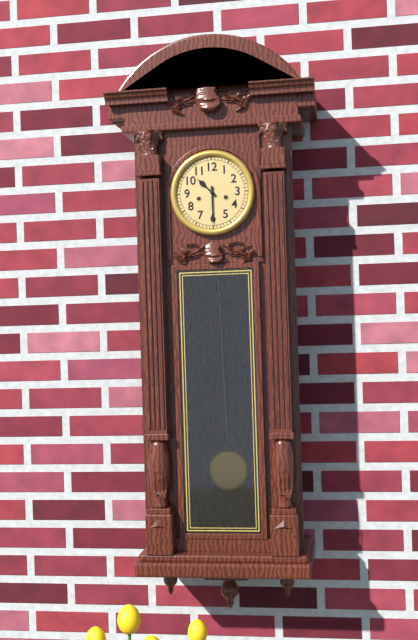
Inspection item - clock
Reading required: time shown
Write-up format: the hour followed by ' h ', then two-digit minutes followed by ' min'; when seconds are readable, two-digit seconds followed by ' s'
10 h 30 min
